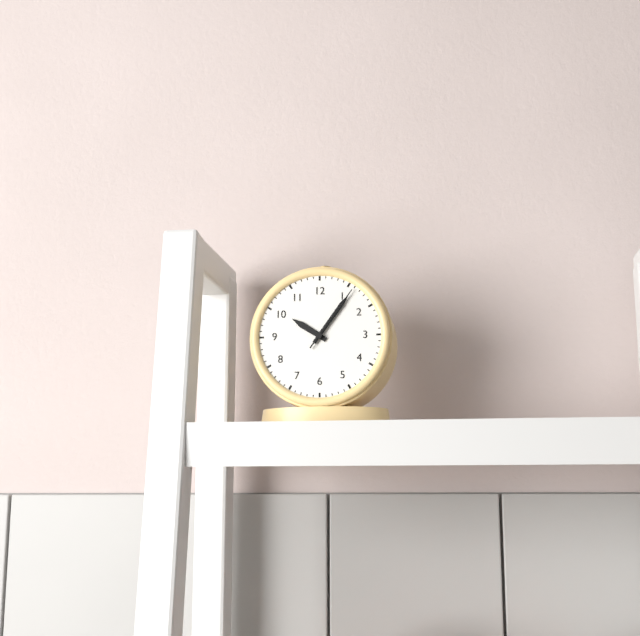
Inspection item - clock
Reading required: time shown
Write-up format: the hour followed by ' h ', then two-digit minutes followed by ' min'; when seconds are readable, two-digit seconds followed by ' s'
10 h 06 min 06 s
